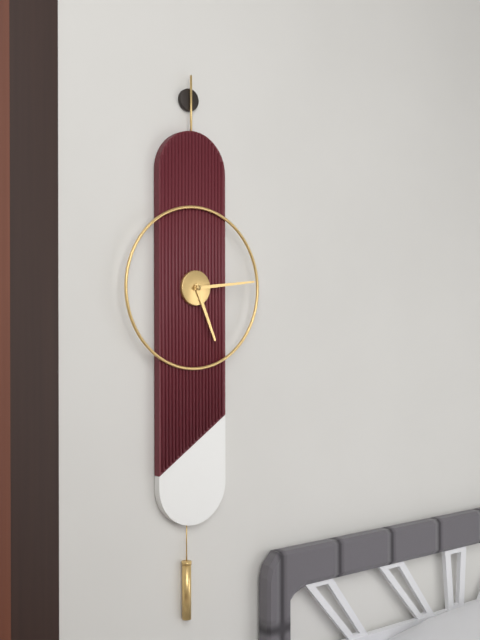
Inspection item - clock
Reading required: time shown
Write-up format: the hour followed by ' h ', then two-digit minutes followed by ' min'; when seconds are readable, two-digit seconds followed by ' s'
5 h 14 min
